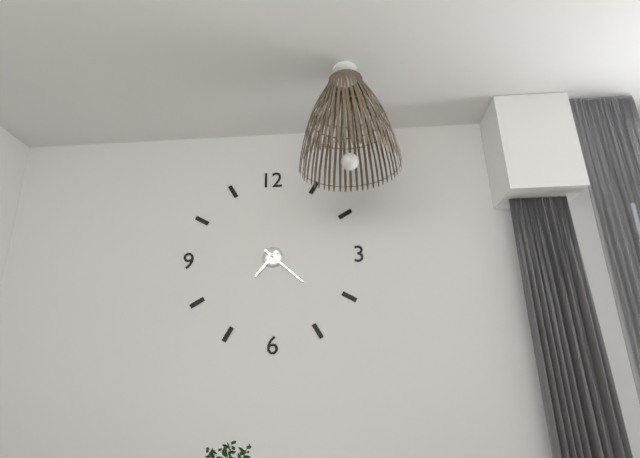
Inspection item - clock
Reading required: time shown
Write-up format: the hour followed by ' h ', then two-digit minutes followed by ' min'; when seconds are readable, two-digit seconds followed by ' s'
7 h 22 min
